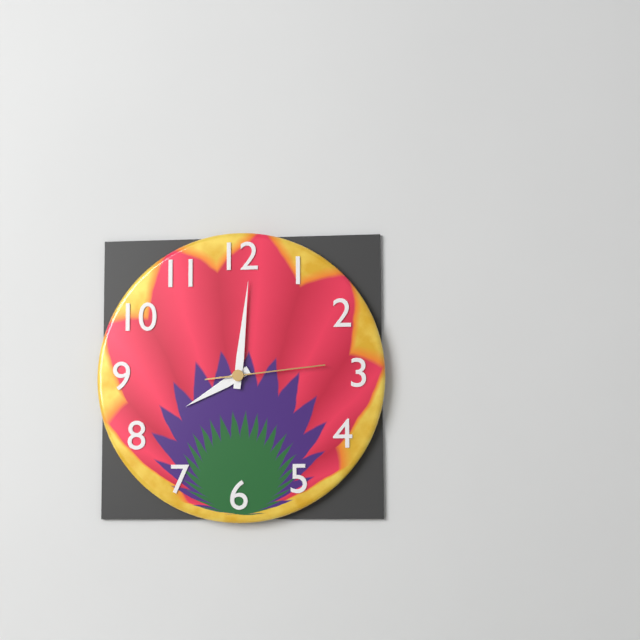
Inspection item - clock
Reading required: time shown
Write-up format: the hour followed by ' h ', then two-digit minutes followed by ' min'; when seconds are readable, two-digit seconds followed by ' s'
8 h 01 min 14 s
